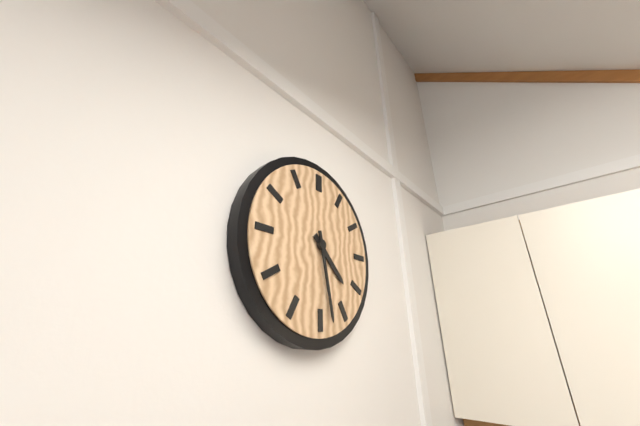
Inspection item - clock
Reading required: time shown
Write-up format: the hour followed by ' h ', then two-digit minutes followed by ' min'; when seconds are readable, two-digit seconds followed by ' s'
4 h 28 min
